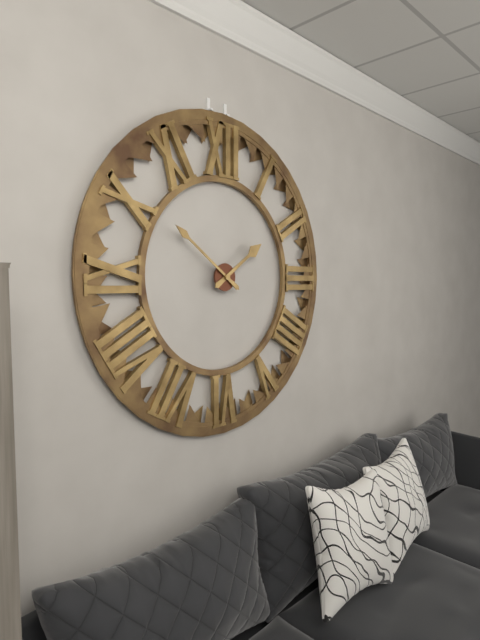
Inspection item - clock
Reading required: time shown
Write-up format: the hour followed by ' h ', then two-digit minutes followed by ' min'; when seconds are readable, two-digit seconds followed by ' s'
1 h 51 min
